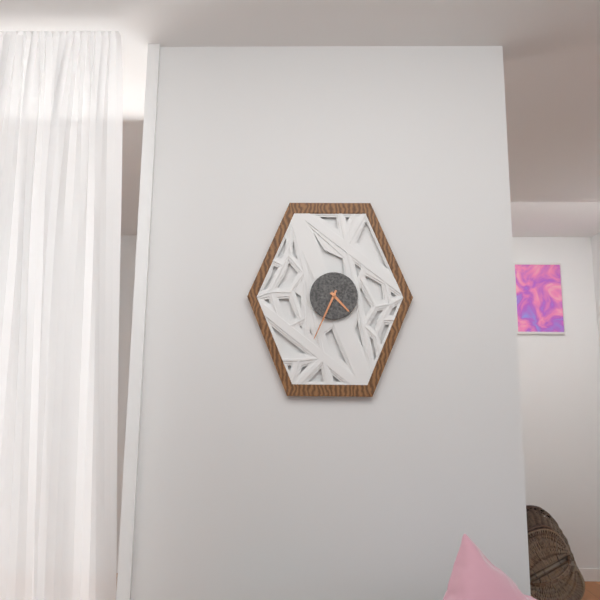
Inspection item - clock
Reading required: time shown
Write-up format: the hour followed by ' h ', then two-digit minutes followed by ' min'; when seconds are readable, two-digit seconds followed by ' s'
4 h 34 min
